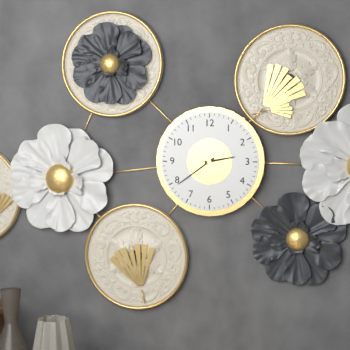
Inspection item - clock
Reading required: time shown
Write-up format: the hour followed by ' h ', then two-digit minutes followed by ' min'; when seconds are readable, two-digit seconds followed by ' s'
2 h 39 min
